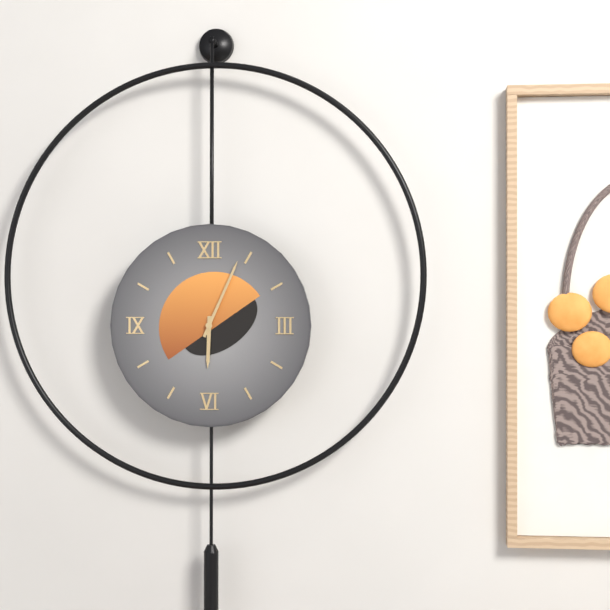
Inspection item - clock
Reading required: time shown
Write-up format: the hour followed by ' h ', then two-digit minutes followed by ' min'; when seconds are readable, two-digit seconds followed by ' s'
6 h 04 min
